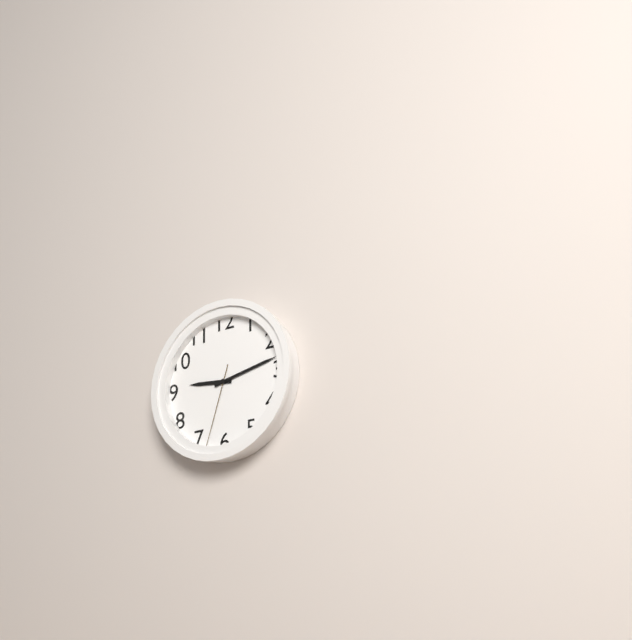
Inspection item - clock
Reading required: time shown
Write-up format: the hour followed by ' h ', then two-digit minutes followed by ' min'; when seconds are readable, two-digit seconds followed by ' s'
9 h 13 min 33 s
